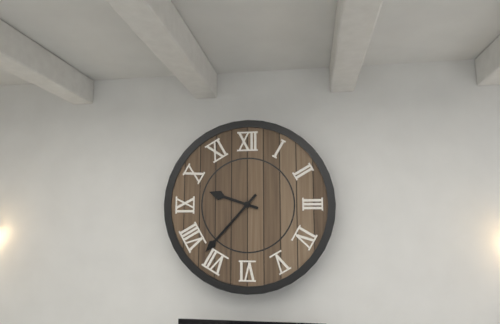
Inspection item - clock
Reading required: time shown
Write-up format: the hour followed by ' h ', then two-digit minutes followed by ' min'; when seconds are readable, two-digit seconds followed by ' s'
9 h 37 min
